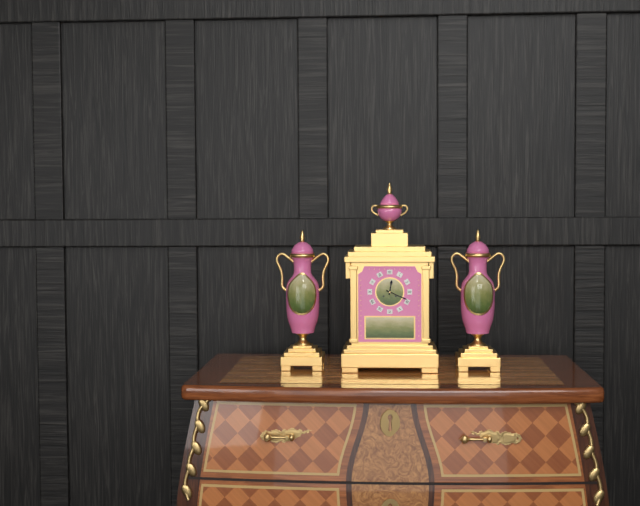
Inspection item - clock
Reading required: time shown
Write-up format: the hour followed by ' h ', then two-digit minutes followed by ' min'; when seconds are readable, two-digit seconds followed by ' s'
12 h 19 min
